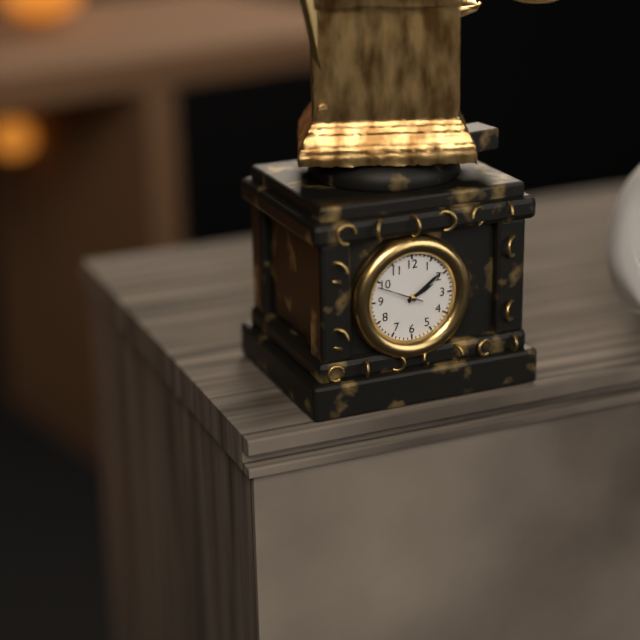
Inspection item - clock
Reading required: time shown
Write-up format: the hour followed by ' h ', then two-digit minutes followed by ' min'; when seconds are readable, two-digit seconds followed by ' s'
2 h 09 min
